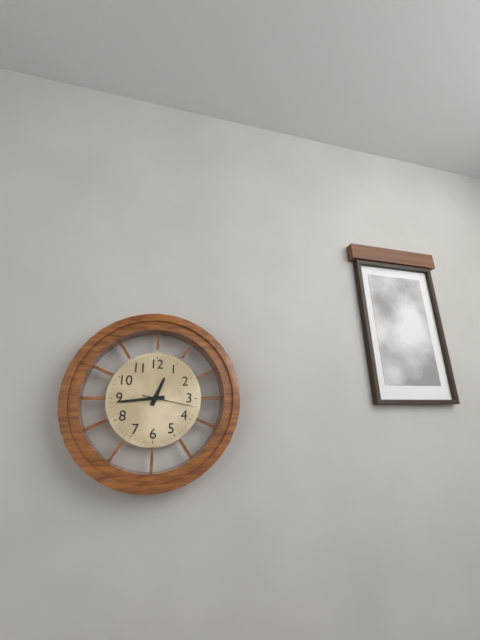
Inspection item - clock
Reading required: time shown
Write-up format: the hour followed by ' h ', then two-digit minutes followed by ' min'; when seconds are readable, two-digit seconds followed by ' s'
12 h 44 min 17 s
